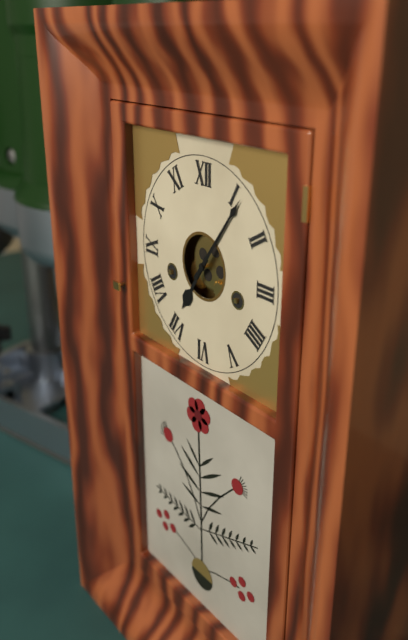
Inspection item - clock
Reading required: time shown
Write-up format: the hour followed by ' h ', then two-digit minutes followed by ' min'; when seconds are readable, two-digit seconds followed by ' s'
7 h 06 min
